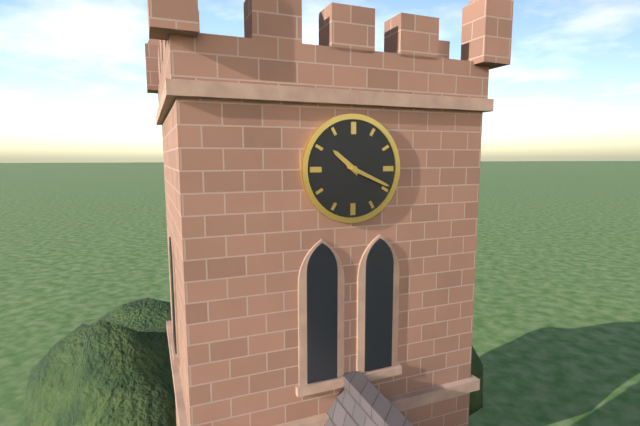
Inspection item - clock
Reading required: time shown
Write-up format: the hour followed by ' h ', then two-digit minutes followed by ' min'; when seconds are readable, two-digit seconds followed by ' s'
10 h 19 min
